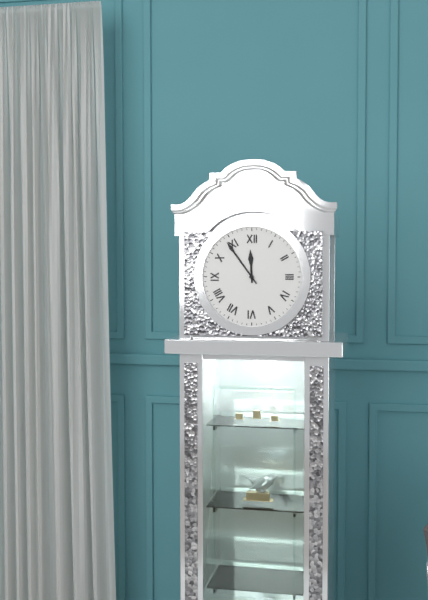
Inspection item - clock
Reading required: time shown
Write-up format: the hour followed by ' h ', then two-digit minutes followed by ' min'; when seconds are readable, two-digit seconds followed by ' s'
11 h 54 min
